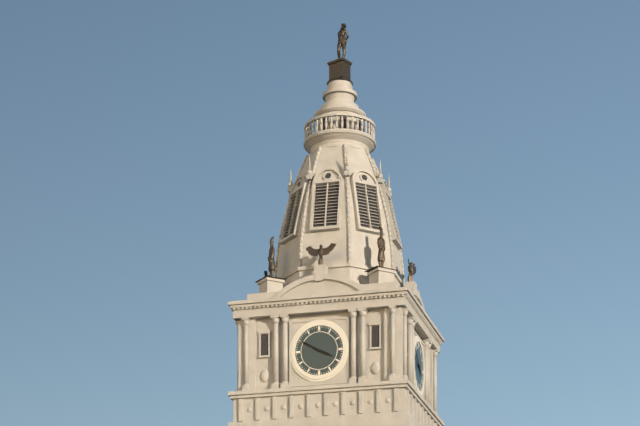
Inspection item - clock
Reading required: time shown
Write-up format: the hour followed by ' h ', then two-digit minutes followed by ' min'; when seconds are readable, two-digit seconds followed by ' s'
3 h 50 min
